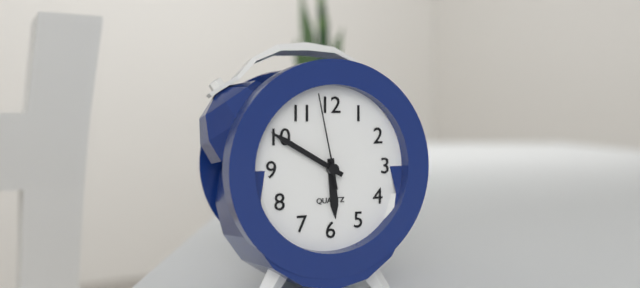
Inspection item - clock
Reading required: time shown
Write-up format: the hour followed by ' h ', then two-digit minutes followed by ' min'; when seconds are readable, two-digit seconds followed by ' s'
5 h 50 min 58 s
